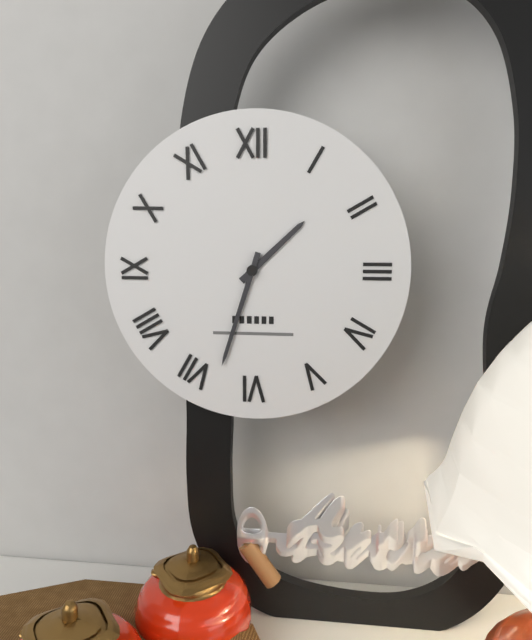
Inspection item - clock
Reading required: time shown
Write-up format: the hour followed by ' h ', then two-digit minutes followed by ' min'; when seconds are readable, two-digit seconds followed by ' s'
1 h 33 min
